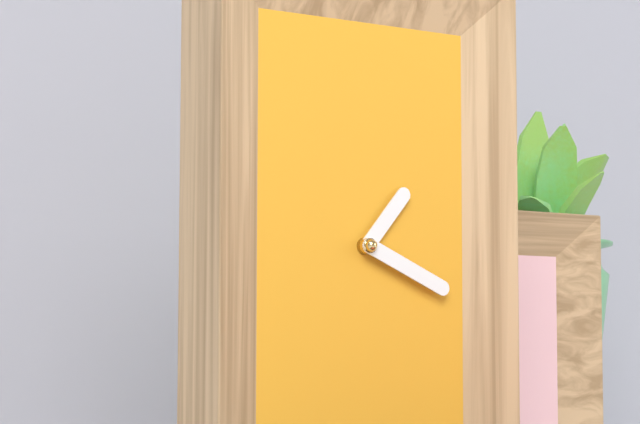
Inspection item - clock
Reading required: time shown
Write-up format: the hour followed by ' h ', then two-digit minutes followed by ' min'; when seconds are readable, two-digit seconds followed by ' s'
1 h 19 min
